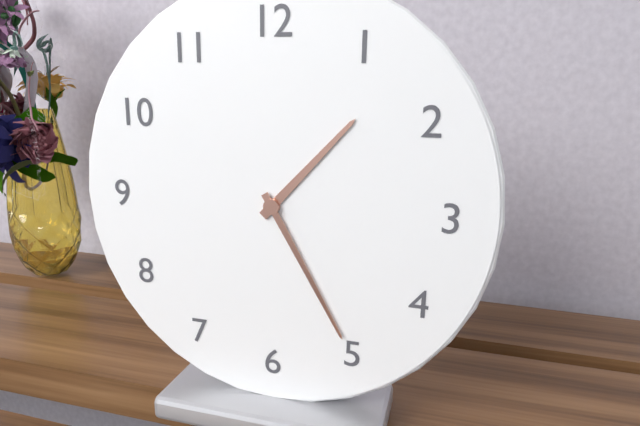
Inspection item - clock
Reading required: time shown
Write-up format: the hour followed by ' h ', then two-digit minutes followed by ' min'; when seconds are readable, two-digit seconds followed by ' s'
1 h 25 min
